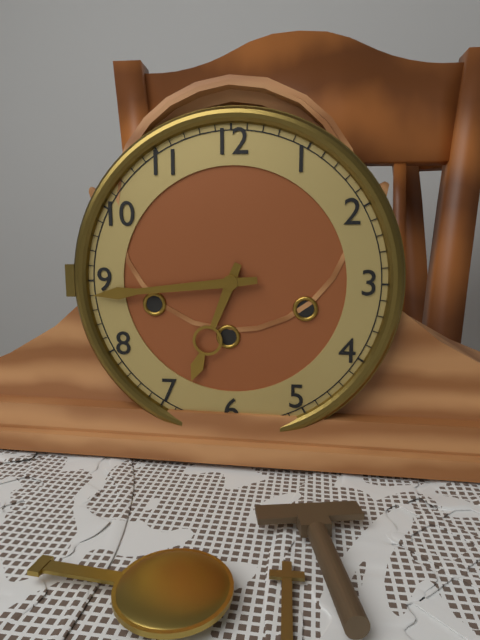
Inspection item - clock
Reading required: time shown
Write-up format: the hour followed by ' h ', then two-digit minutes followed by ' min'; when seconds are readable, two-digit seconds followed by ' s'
6 h 44 min
